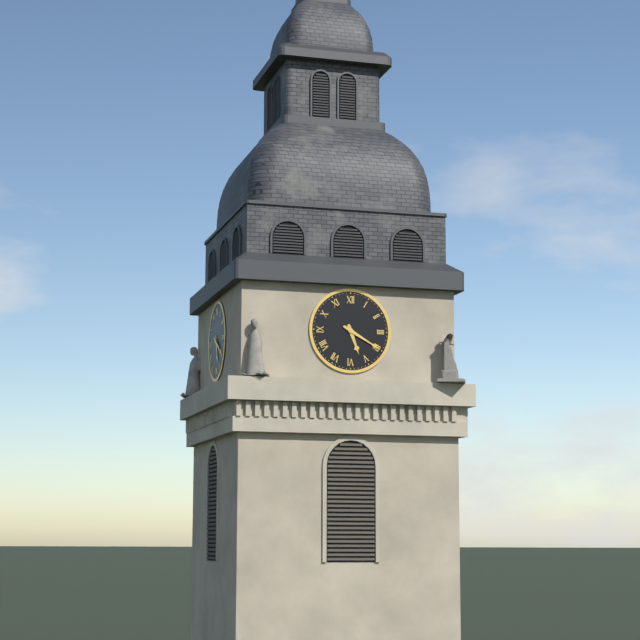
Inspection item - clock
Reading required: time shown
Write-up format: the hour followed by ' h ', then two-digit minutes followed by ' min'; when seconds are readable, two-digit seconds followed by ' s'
5 h 20 min
